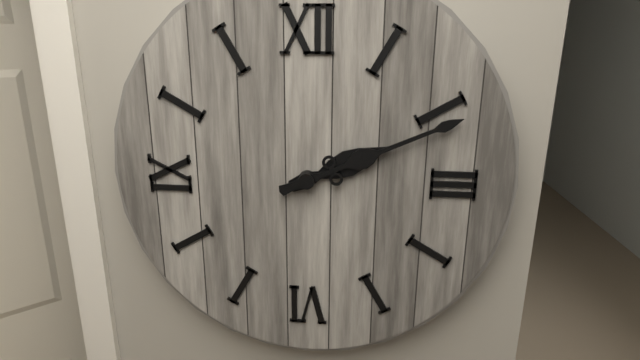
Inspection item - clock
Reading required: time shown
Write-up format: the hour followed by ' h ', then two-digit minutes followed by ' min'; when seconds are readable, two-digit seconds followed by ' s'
2 h 11 min
